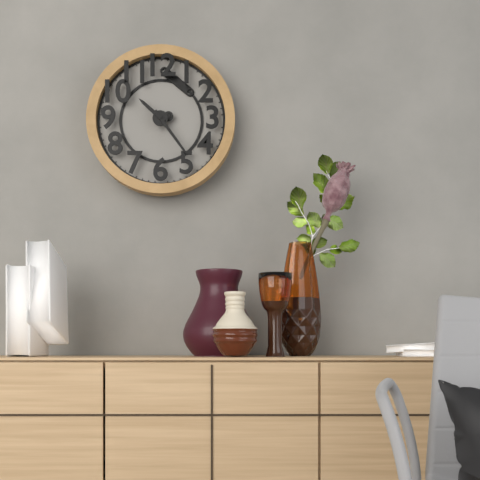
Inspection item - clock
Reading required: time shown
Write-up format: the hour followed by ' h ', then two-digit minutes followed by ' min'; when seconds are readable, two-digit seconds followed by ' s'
10 h 24 min
